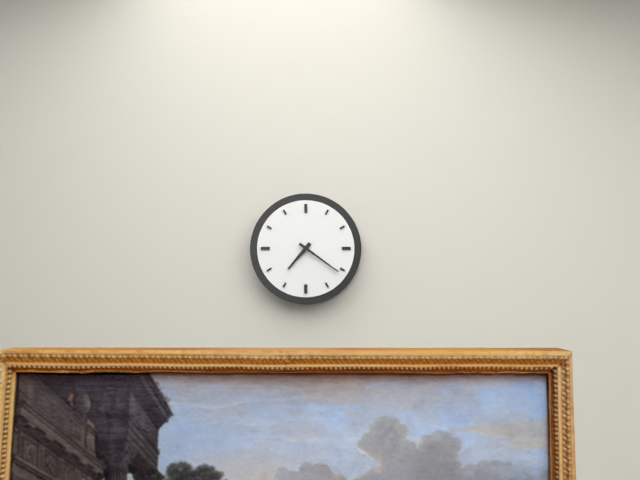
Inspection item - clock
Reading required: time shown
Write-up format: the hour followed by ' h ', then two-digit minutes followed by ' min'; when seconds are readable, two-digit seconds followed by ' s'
7 h 21 min
